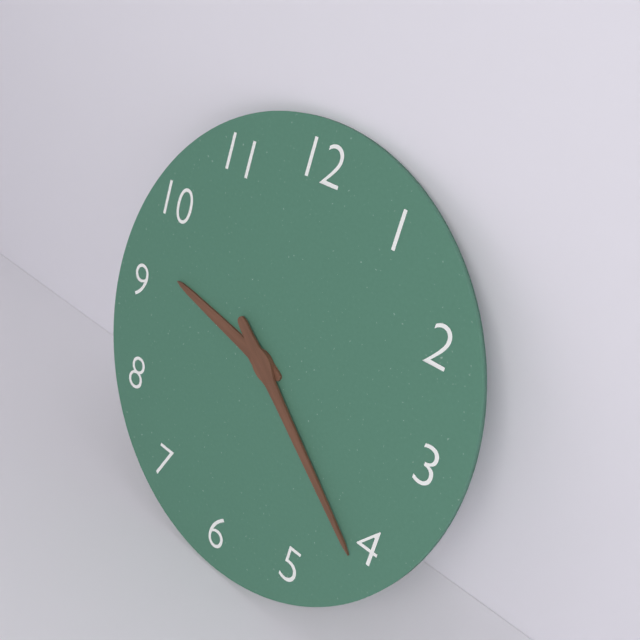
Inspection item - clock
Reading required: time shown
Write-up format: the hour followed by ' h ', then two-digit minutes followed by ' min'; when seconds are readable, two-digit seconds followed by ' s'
9 h 21 min
